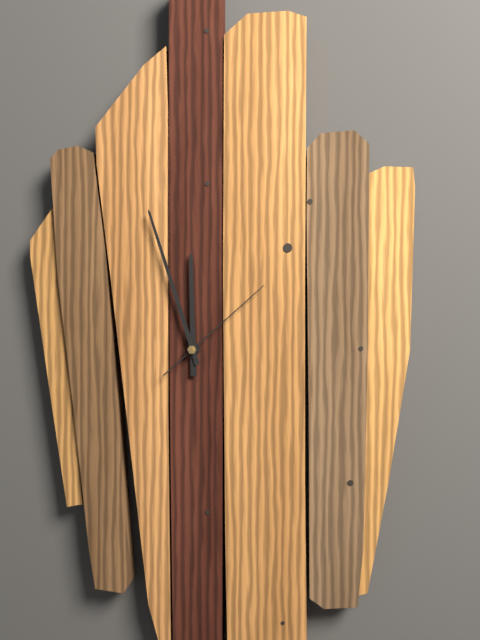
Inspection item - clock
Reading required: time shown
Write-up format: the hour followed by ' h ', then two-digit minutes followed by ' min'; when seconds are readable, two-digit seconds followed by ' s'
11 h 57 min 08 s
